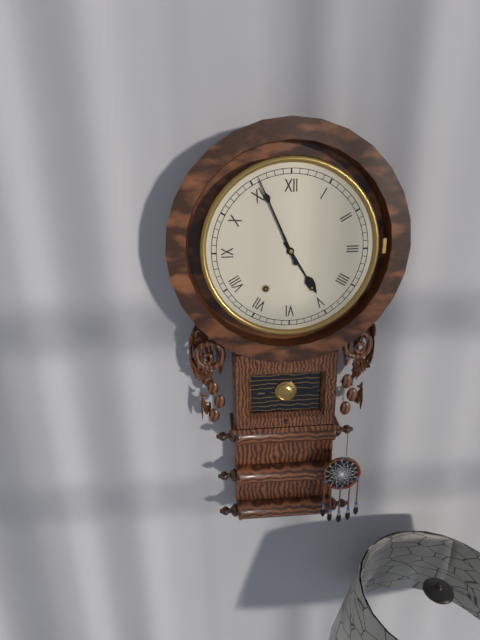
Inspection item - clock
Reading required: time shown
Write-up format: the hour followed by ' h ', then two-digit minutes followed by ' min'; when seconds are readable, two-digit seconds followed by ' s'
4 h 56 min
